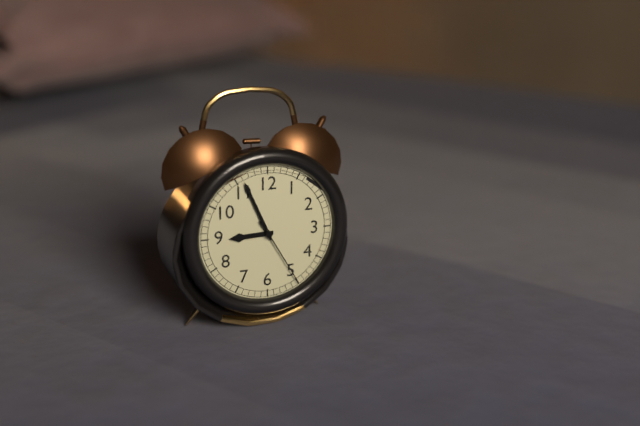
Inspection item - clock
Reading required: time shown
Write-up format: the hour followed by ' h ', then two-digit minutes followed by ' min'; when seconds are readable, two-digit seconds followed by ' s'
8 h 56 min 25 s
